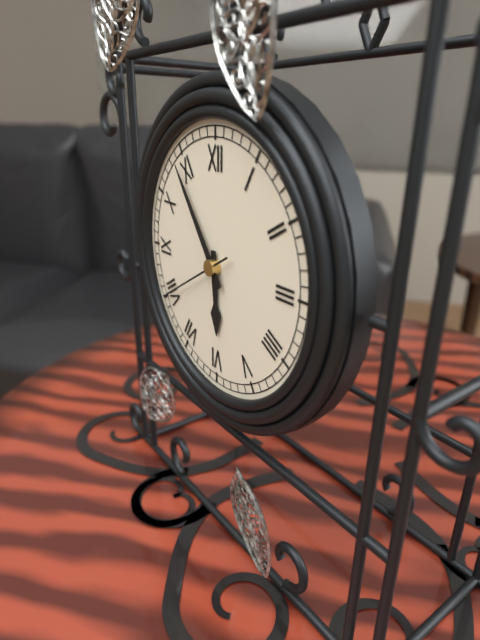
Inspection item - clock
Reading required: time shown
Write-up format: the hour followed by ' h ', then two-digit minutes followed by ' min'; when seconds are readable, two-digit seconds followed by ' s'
5 h 54 min 40 s
